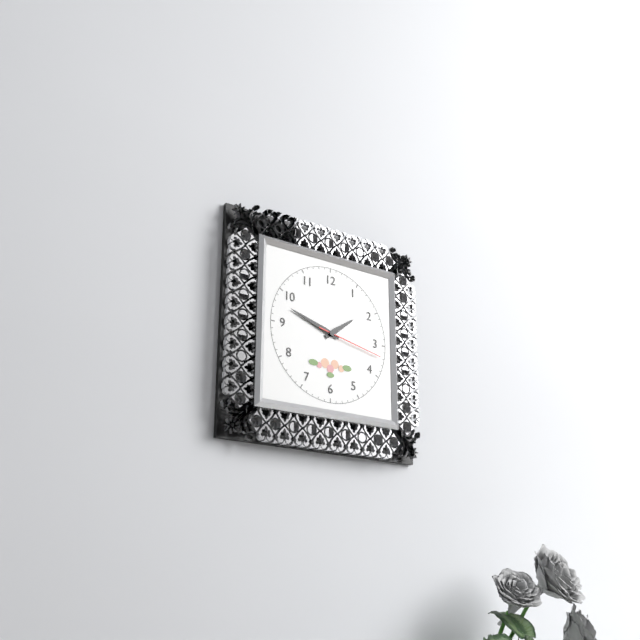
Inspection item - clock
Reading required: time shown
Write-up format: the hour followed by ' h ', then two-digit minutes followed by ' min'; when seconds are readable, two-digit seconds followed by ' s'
1 h 48 min 17 s
